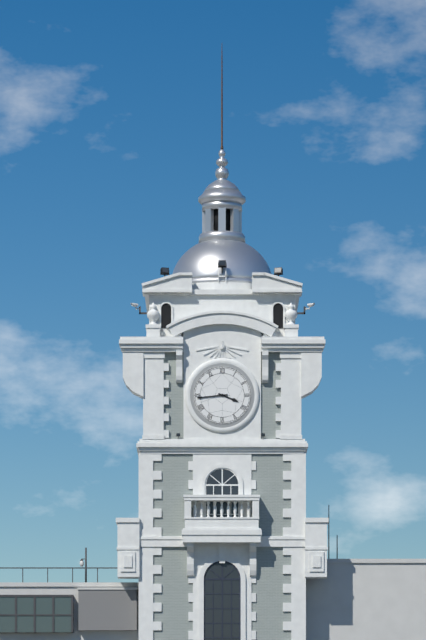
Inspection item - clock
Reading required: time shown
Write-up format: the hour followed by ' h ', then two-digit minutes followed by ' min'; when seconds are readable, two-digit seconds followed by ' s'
3 h 44 min
